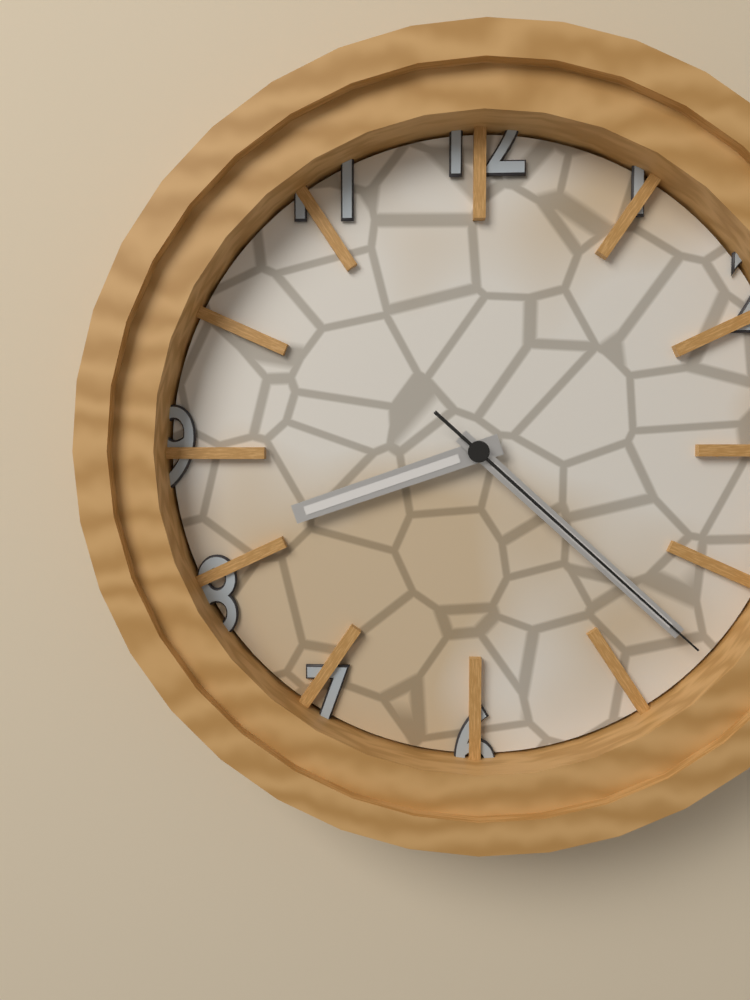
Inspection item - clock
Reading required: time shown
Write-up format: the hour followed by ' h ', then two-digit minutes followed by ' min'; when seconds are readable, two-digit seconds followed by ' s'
8 h 22 min 22 s
